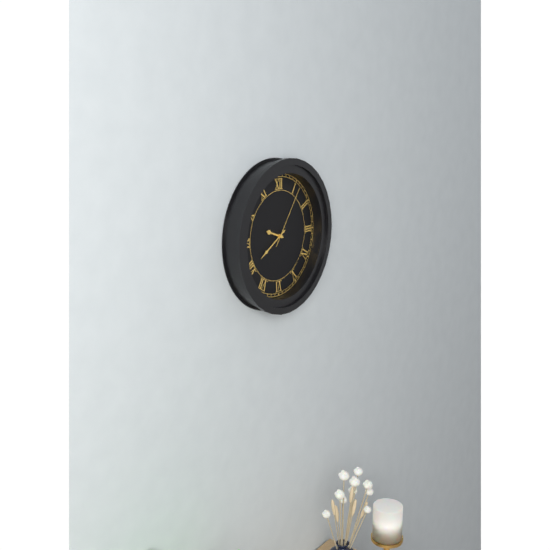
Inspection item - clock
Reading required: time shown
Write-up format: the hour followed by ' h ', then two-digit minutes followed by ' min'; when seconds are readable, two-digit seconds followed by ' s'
9 h 40 min 06 s
